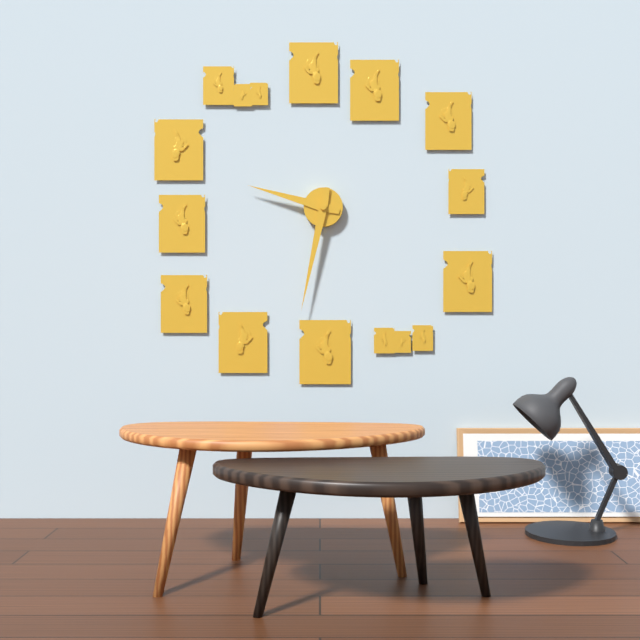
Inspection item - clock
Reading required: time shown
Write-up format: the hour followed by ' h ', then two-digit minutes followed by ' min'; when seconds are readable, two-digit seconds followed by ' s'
9 h 32 min
